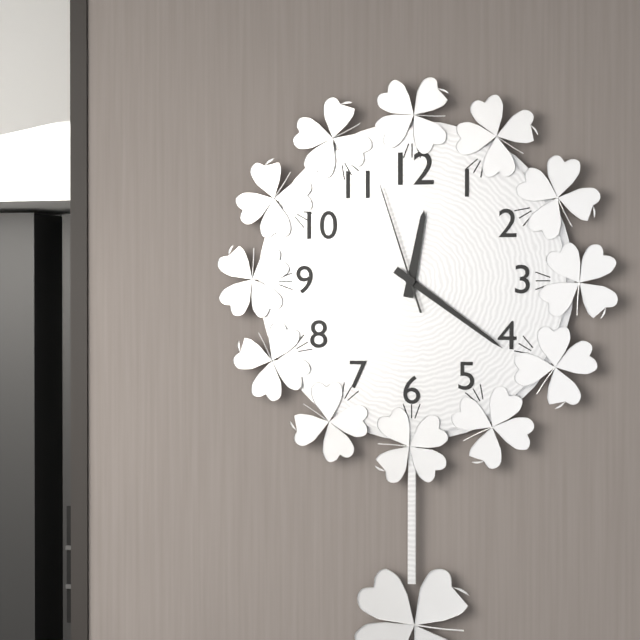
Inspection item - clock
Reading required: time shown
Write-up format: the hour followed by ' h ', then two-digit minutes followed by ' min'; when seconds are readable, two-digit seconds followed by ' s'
12 h 21 min 57 s
